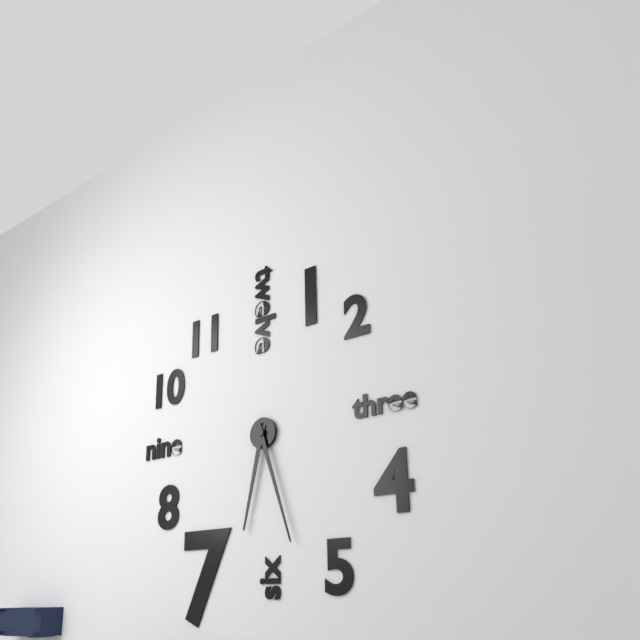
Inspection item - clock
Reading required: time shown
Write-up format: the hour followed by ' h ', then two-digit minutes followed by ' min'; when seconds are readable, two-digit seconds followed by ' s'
6 h 27 min
